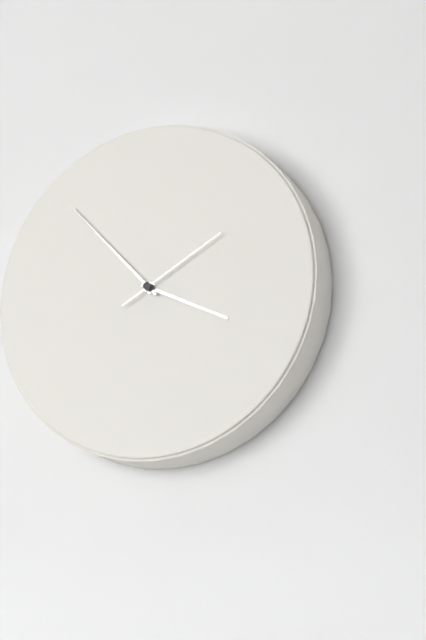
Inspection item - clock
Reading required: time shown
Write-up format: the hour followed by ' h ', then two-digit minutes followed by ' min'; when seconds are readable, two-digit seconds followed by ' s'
3 h 53 min 10 s
